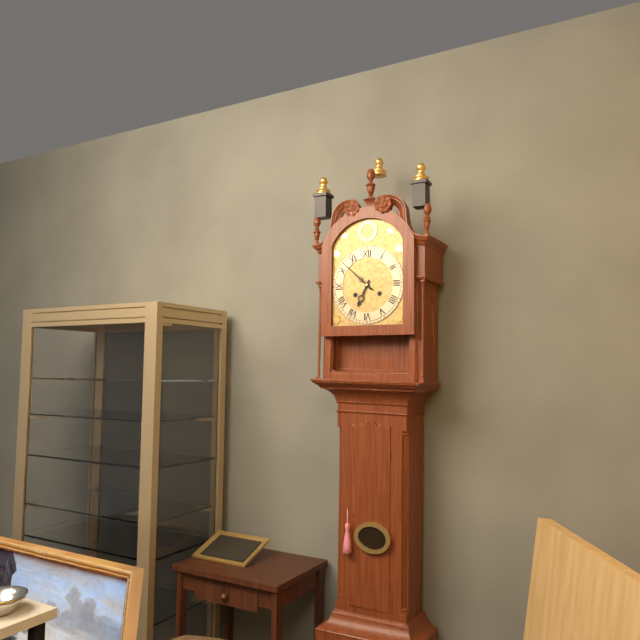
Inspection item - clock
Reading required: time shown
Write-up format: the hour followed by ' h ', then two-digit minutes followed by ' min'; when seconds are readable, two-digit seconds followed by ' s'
6 h 52 min
